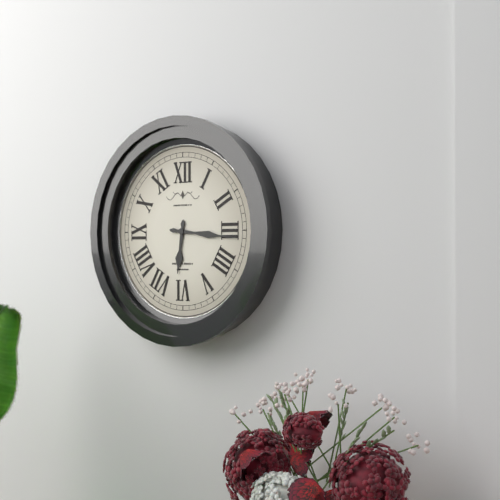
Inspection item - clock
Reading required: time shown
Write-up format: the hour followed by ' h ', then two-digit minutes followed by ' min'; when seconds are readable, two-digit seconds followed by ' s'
6 h 16 min
